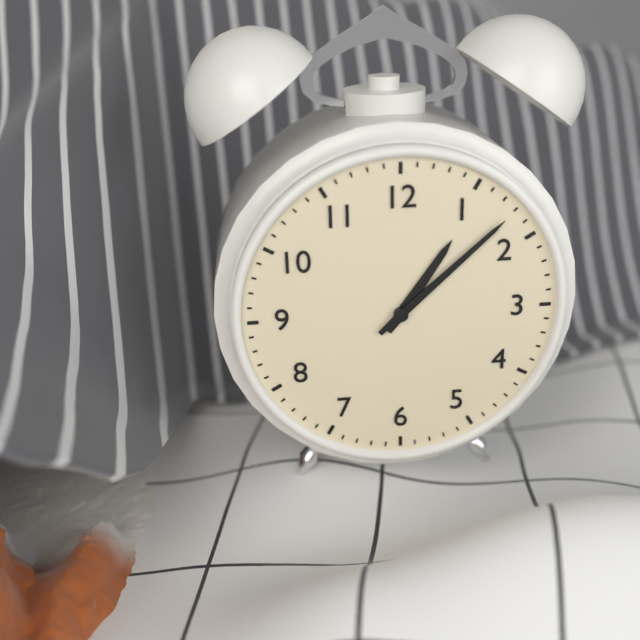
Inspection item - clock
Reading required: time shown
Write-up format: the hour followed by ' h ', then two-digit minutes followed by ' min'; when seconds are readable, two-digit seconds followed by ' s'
1 h 08 min
